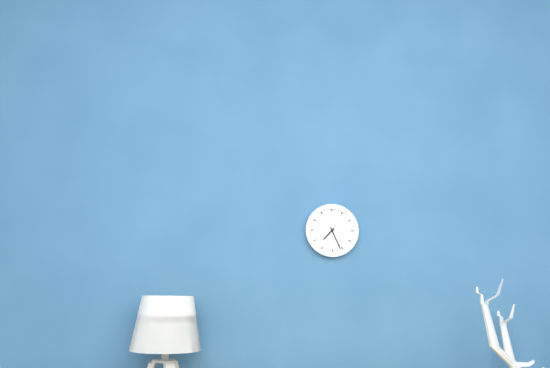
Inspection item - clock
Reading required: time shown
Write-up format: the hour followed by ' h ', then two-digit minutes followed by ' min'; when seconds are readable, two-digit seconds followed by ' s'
7 h 26 min
